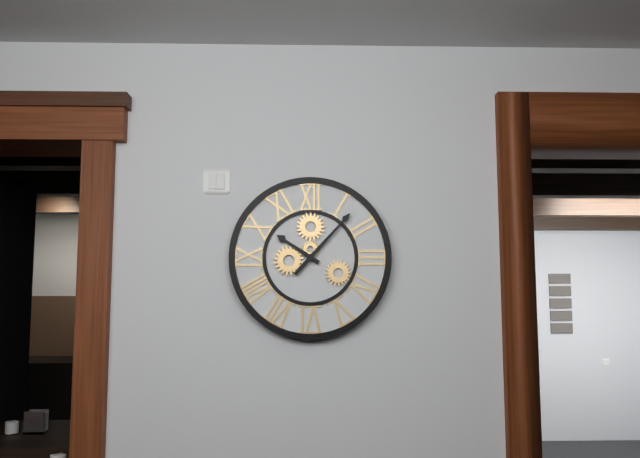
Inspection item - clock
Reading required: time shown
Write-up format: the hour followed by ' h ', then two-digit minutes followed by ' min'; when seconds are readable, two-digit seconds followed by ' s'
10 h 07 min
